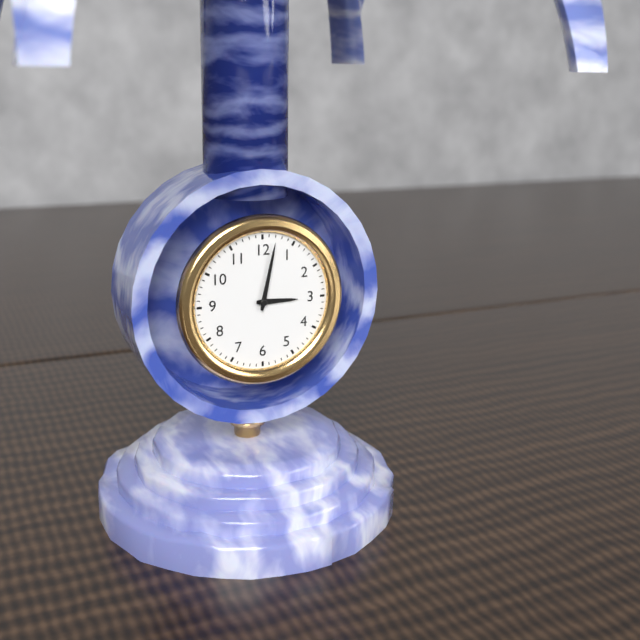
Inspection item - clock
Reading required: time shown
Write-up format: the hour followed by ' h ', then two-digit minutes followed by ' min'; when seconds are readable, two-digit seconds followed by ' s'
3 h 02 min
